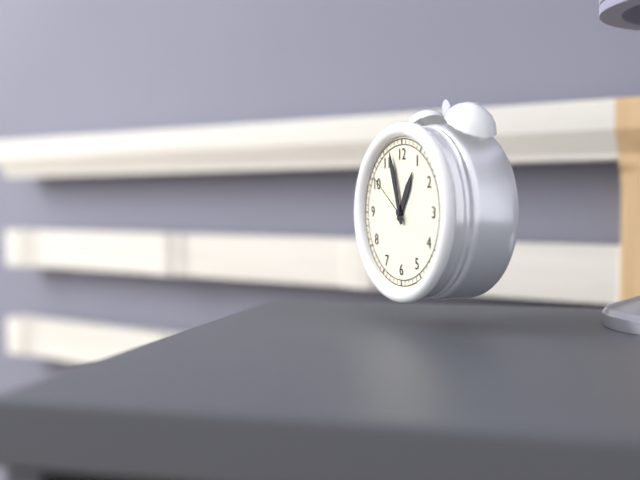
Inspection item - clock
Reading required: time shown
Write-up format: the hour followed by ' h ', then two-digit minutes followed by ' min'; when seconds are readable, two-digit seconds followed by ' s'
12 h 57 min 51 s
